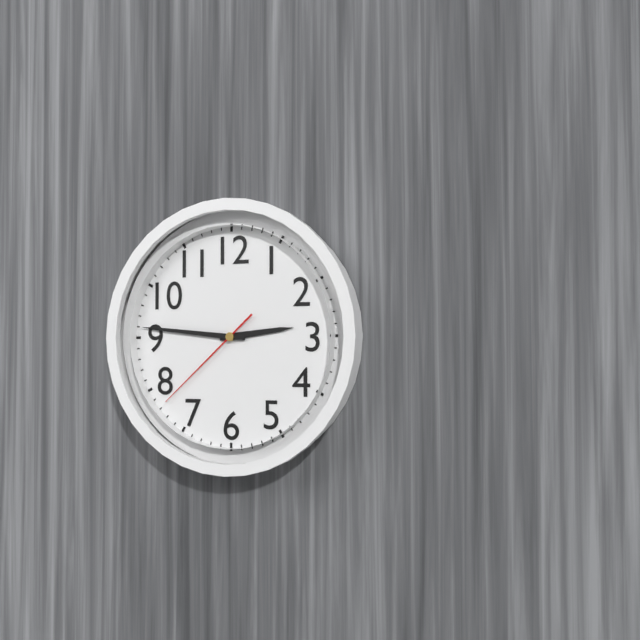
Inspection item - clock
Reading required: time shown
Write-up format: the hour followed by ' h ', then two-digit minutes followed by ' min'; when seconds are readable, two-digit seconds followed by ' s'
2 h 46 min 38 s
